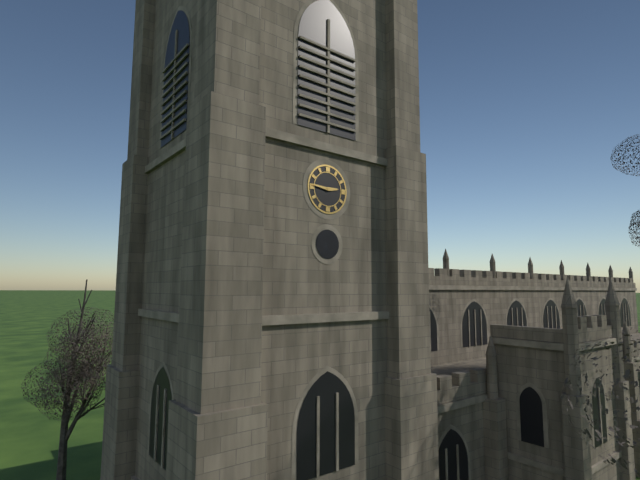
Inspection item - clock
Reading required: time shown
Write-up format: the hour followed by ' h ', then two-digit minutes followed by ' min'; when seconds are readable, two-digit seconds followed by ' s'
2 h 46 min
